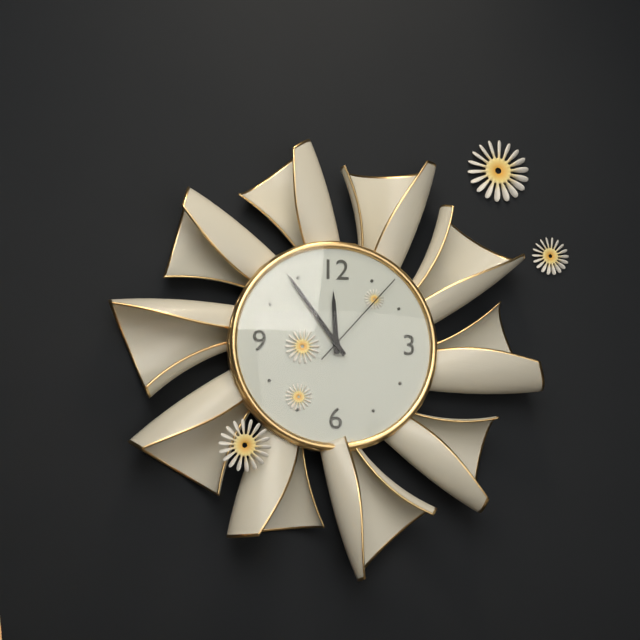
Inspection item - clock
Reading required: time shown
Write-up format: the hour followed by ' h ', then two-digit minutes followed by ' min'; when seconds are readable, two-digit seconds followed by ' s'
11 h 54 min 07 s
